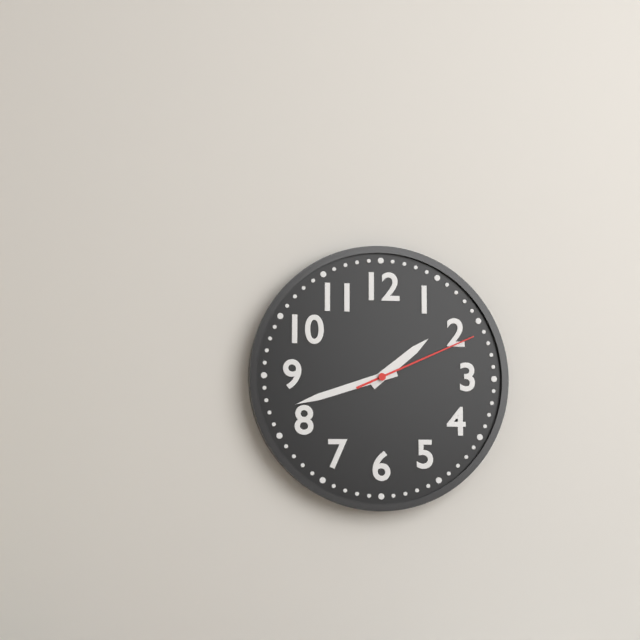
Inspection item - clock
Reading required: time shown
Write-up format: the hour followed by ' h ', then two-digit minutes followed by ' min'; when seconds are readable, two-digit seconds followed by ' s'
1 h 42 min 11 s
